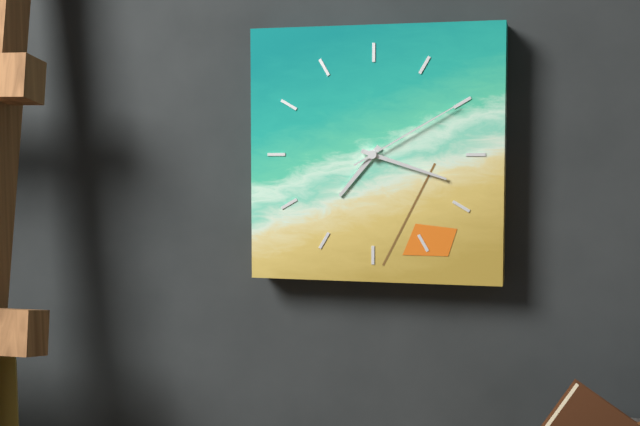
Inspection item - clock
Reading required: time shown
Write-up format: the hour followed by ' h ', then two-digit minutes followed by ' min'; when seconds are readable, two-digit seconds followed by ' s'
7 h 18 min 10 s
